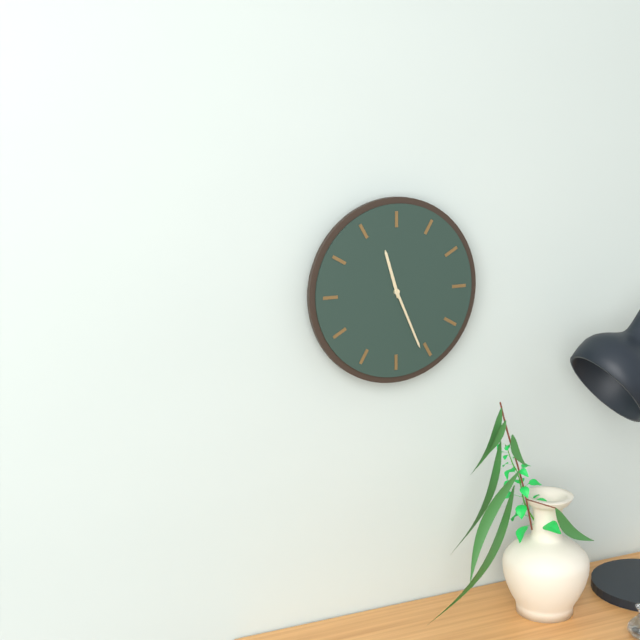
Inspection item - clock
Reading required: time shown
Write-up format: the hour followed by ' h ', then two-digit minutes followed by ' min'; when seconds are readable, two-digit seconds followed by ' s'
11 h 26 min
